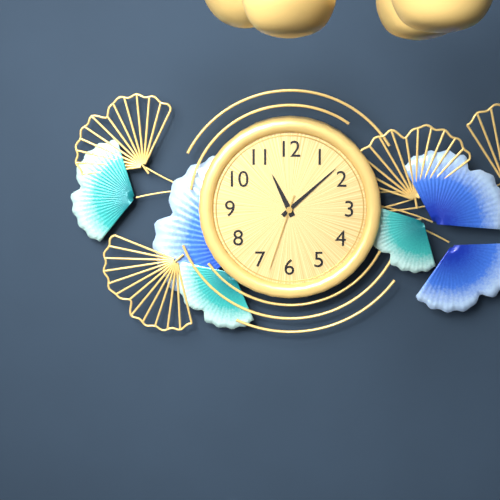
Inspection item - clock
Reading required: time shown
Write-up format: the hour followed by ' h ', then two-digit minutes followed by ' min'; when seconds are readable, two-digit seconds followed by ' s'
11 h 08 min 33 s
